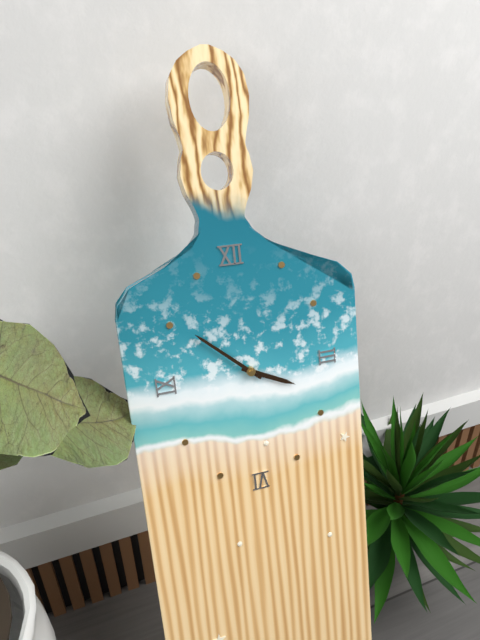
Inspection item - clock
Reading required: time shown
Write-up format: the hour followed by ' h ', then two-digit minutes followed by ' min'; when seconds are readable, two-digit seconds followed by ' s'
3 h 52 min
